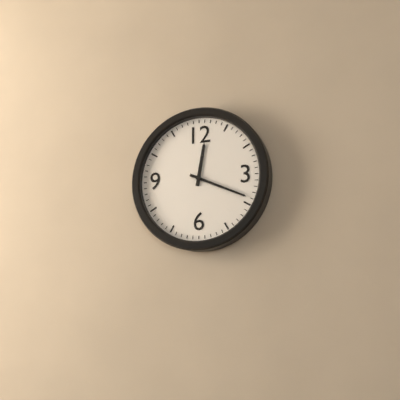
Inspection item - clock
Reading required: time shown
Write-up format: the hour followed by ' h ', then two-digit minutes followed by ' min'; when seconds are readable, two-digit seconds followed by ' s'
12 h 19 min
